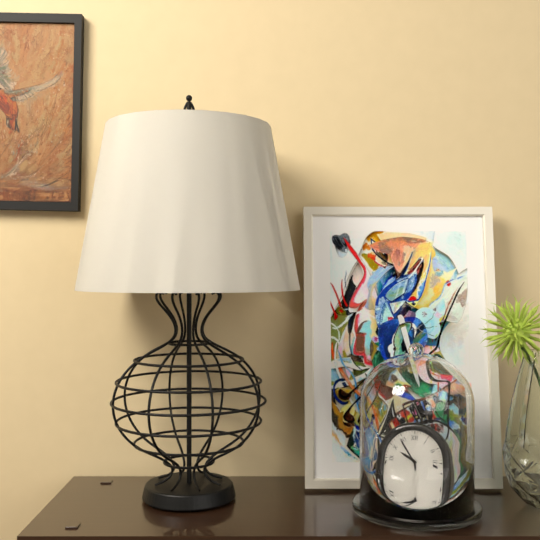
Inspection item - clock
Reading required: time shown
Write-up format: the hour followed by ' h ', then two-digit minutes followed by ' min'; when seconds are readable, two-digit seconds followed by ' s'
9 h 54 min
